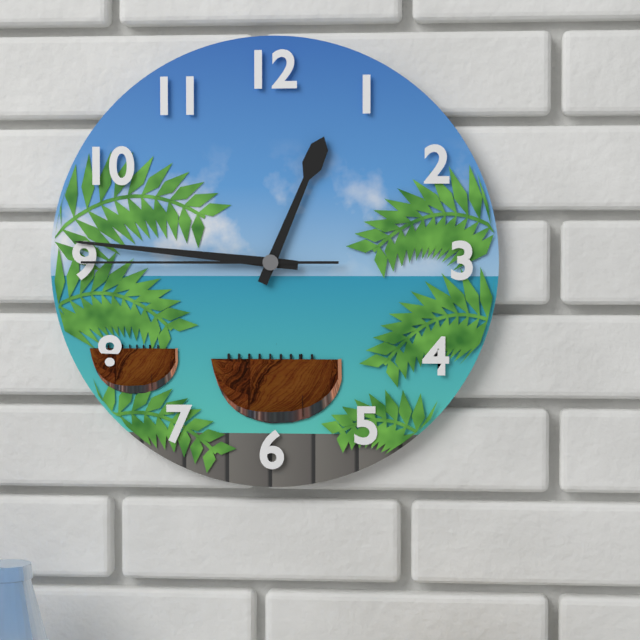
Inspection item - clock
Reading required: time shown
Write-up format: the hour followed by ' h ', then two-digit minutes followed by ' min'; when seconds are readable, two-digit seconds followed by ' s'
12 h 46 min 45 s
